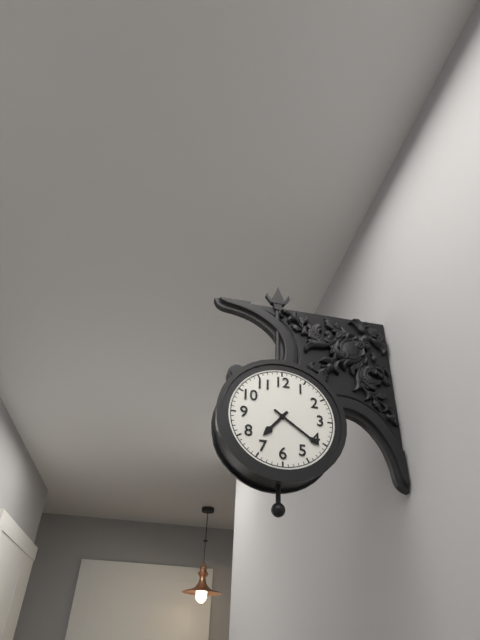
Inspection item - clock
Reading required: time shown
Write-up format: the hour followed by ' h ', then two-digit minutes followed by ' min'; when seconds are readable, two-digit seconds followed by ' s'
7 h 21 min
